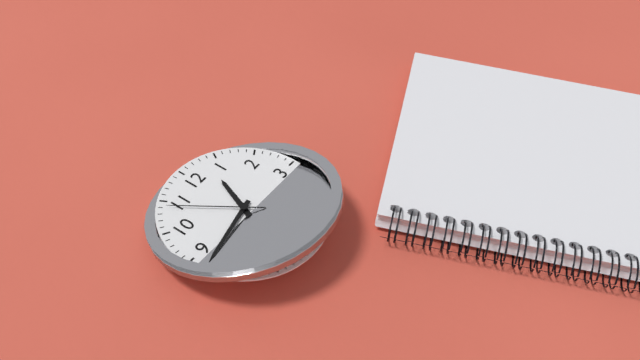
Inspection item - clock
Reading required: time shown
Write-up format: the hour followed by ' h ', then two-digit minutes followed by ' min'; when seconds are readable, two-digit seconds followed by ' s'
12 h 43 min 54 s
